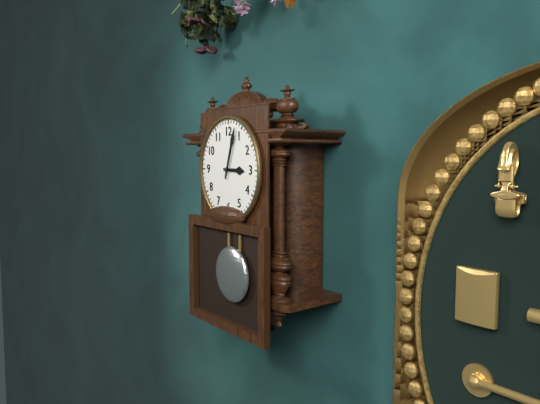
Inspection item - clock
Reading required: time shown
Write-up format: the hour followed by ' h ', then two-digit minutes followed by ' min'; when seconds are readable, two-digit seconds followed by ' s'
3 h 03 min
